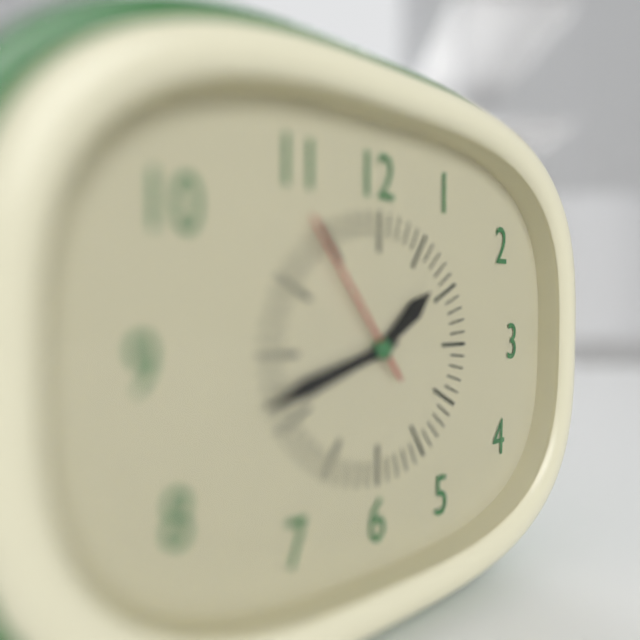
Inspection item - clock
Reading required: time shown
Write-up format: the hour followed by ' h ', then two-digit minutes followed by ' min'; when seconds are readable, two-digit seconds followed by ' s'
1 h 42 min 54 s
